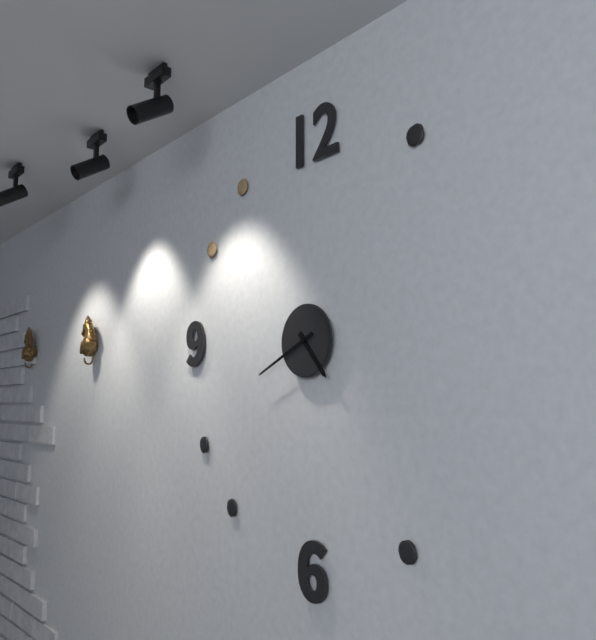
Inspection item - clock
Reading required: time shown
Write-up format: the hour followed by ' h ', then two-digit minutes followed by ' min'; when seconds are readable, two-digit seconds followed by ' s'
4 h 41 min
